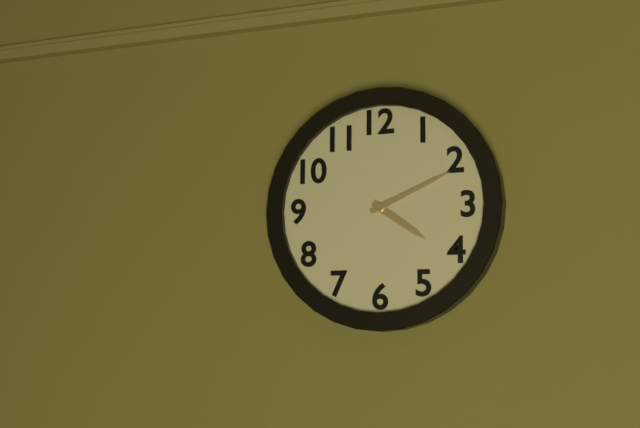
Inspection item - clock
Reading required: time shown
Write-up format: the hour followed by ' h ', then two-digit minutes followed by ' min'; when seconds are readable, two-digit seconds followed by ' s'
4 h 11 min
